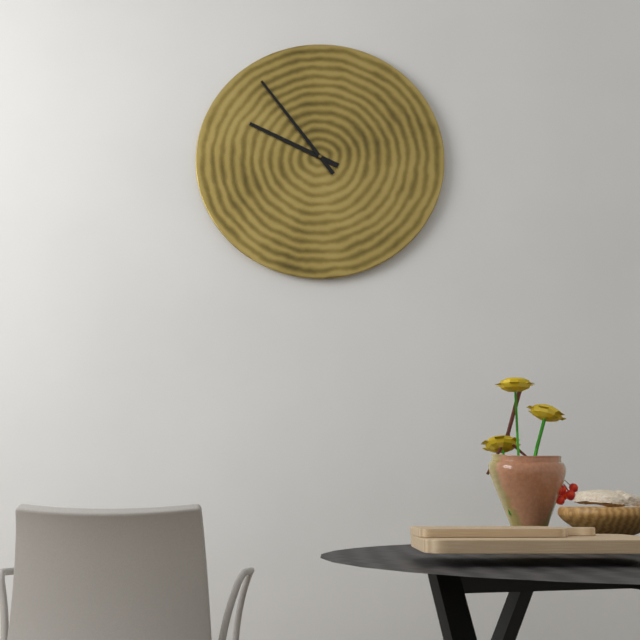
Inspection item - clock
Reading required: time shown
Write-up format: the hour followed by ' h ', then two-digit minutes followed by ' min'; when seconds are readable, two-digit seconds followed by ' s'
9 h 54 min
